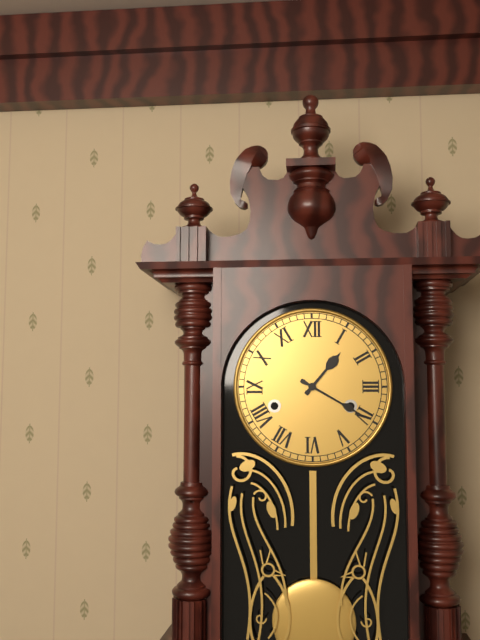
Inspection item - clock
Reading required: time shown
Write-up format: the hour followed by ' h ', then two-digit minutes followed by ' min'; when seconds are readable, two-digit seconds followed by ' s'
1 h 20 min
